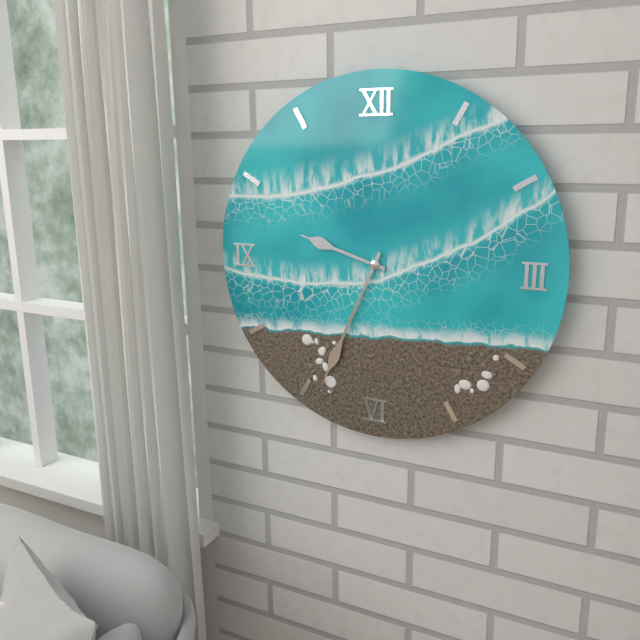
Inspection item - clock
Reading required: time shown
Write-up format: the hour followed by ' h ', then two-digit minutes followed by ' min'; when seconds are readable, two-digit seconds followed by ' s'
9 h 34 min
